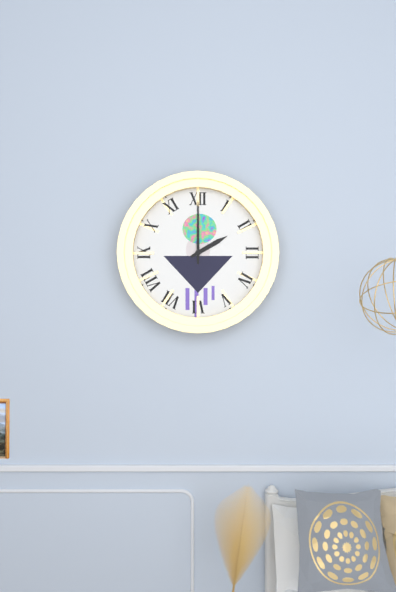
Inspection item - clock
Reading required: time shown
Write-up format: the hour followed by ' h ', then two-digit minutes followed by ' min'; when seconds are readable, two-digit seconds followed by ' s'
2 h 00 min
